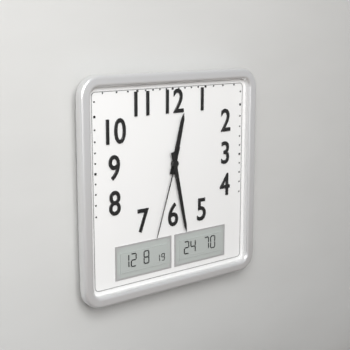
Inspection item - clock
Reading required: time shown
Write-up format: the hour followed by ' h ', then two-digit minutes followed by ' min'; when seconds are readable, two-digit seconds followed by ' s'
12 h 28 min 33 s
